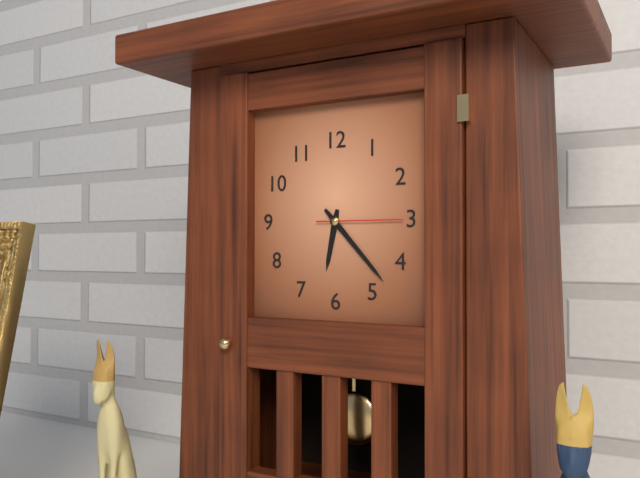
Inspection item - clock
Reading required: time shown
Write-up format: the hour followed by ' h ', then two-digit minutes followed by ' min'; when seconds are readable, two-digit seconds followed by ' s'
6 h 23 min 15 s
